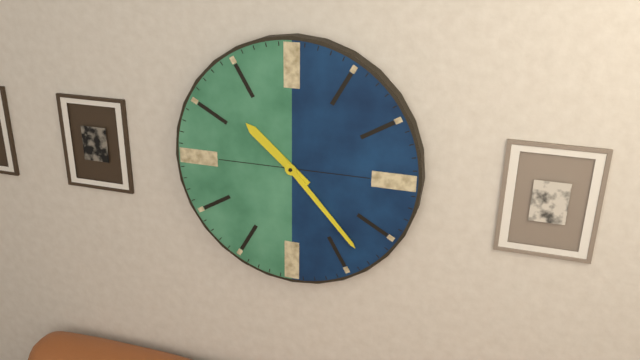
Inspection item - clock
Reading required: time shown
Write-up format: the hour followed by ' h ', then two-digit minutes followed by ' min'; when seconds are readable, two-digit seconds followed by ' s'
10 h 23 min
